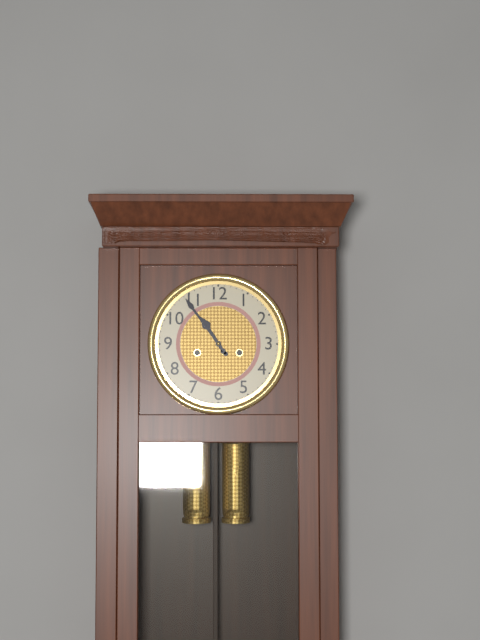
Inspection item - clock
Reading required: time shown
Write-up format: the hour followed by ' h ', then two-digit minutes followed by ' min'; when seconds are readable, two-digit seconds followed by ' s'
10 h 54 min
